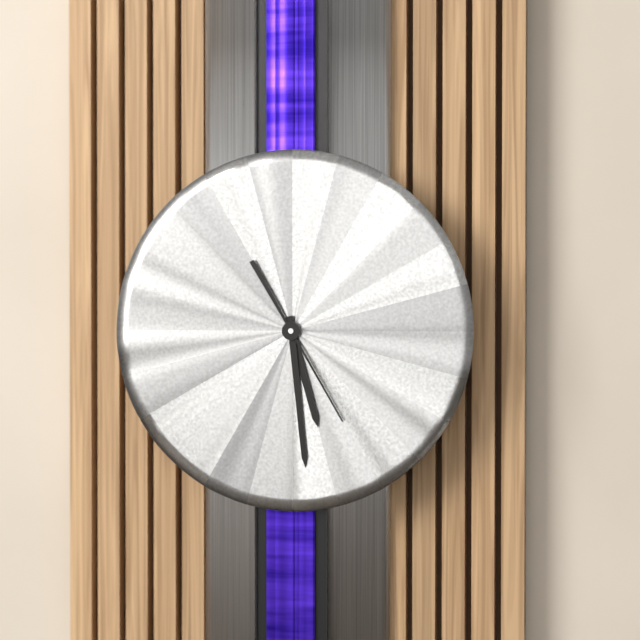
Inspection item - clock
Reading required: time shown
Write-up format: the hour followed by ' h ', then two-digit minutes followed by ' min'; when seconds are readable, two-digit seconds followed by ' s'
5 h 29 min 25 s
